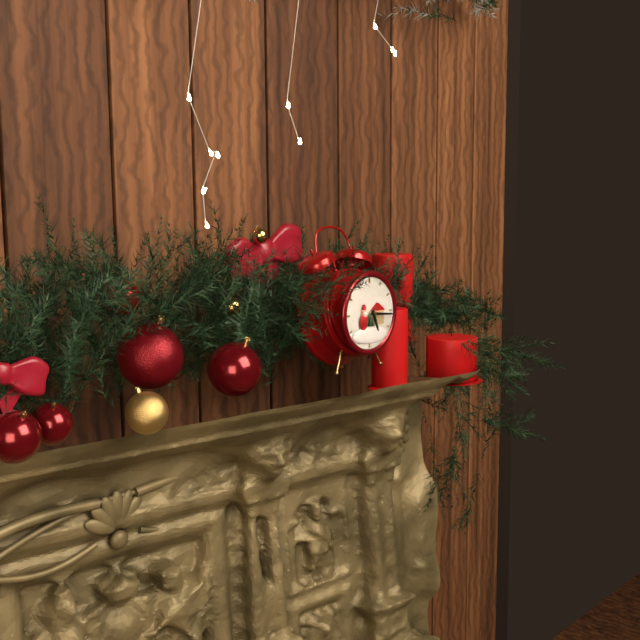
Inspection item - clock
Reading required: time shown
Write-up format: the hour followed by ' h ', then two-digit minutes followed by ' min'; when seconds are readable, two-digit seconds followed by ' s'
5 h 16 min
